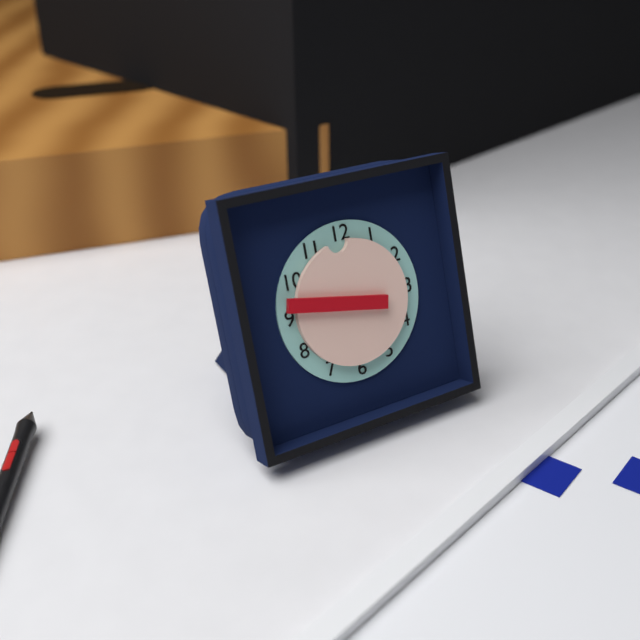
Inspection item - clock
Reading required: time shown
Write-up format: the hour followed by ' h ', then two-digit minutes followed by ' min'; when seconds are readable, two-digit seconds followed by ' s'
11 h 47 min
